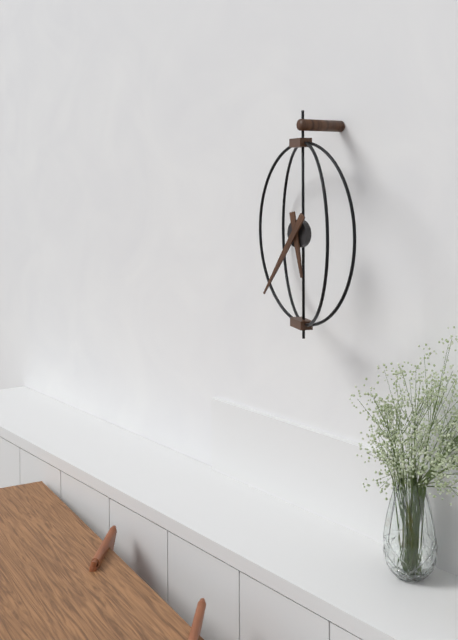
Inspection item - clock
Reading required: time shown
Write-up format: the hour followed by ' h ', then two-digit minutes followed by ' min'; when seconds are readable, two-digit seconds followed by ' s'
5 h 36 min
